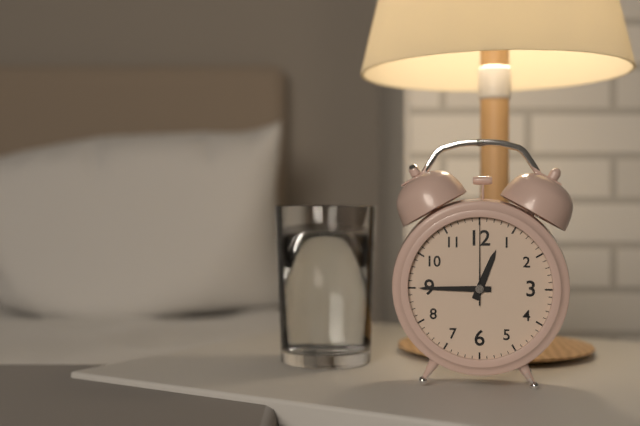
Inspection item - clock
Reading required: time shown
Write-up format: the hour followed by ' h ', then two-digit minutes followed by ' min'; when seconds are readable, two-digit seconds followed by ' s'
12 h 45 min 00 s
